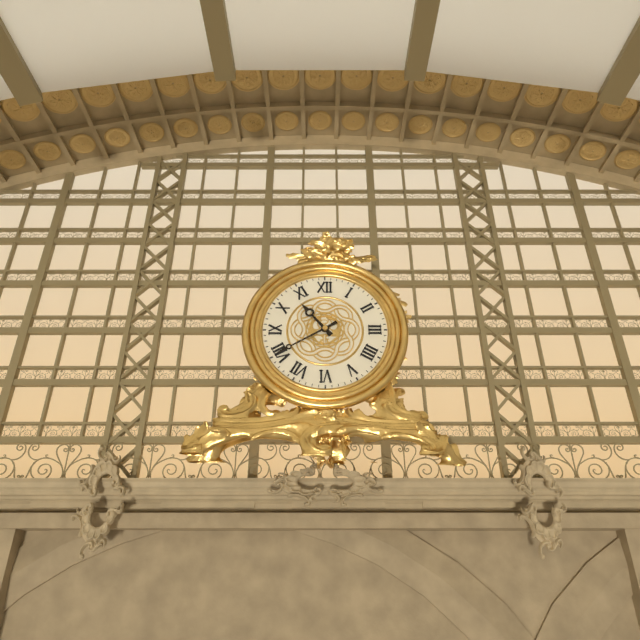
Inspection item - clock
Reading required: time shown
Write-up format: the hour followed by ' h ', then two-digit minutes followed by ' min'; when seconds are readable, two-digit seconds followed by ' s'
10 h 40 min
